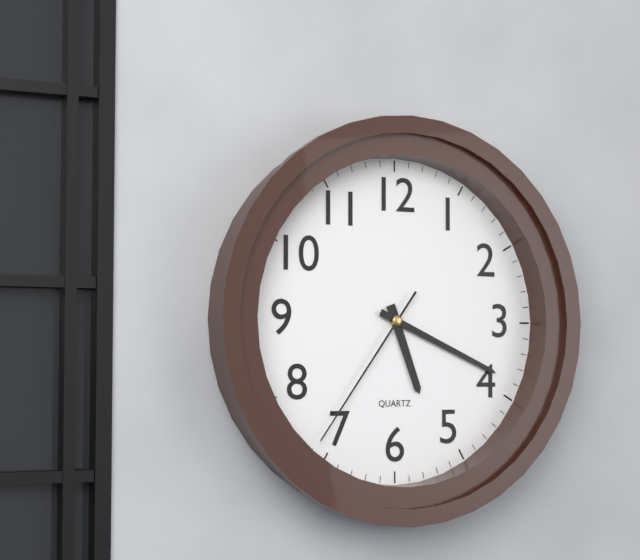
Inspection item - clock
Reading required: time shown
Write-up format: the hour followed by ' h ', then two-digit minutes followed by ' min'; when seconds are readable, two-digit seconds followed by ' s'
5 h 19 min 36 s
